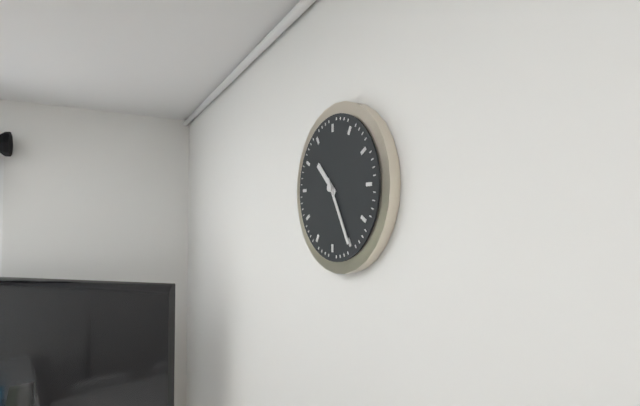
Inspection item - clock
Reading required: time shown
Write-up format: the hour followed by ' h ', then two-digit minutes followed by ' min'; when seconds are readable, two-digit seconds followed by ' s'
10 h 25 min
